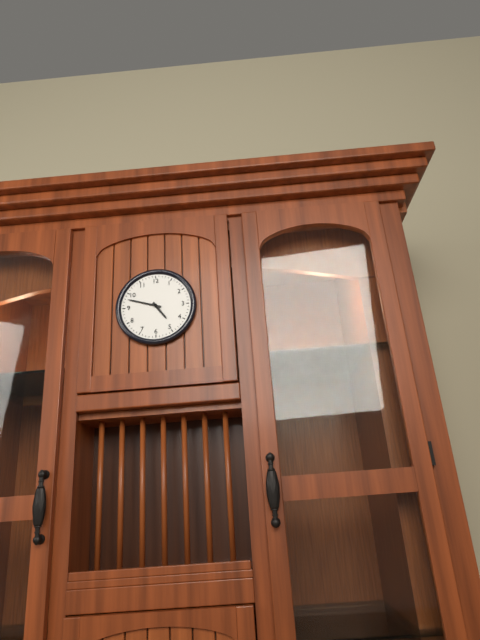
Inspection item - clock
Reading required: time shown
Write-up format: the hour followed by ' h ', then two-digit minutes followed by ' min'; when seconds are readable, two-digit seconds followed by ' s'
4 h 48 min
